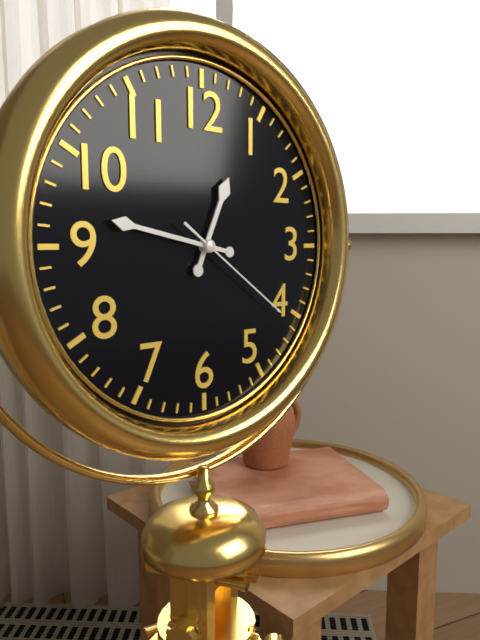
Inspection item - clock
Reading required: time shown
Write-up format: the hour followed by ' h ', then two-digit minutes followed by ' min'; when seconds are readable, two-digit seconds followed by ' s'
12 h 47 min 21 s
